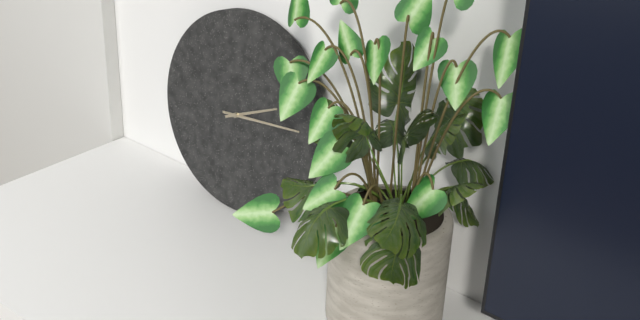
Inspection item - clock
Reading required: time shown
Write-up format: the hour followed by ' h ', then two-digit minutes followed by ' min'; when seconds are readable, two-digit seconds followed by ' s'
2 h 14 min
